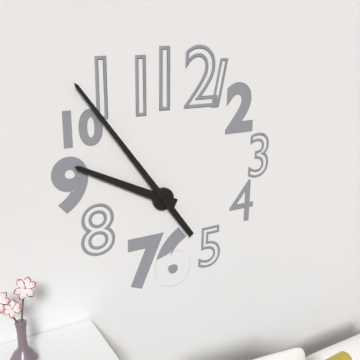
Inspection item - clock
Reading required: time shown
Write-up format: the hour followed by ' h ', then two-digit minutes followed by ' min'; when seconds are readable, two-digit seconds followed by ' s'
9 h 54 min
